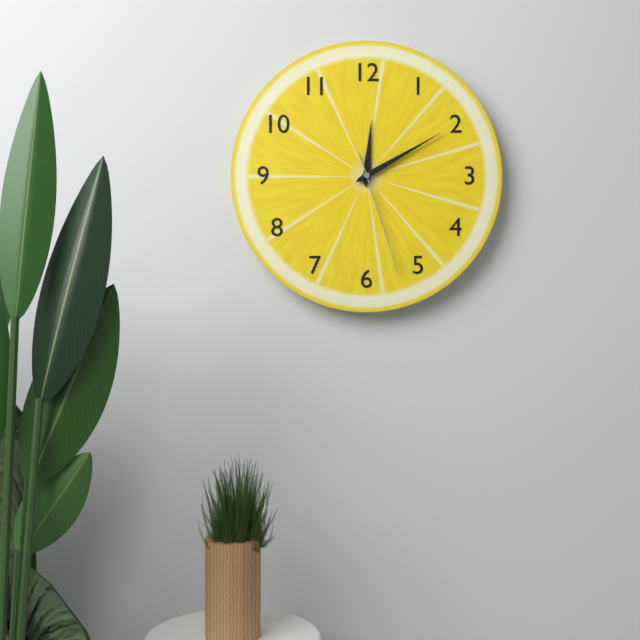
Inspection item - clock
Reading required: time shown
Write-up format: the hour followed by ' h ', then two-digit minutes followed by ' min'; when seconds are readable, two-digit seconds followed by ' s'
12 h 10 min 27 s
